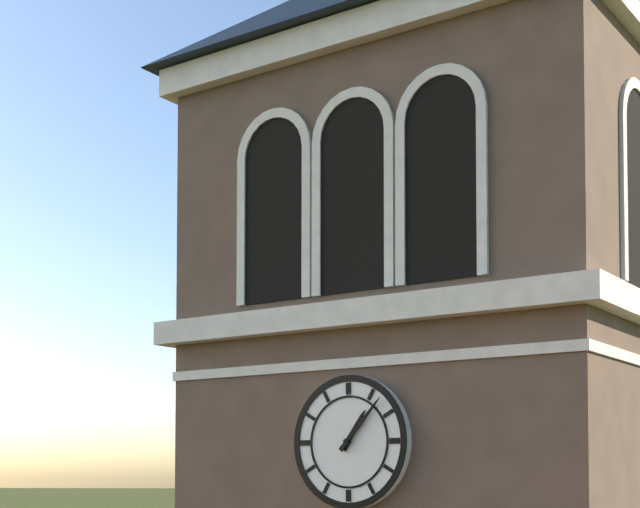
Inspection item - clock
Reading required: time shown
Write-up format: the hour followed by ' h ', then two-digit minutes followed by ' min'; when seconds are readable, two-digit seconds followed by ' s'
1 h 07 min
